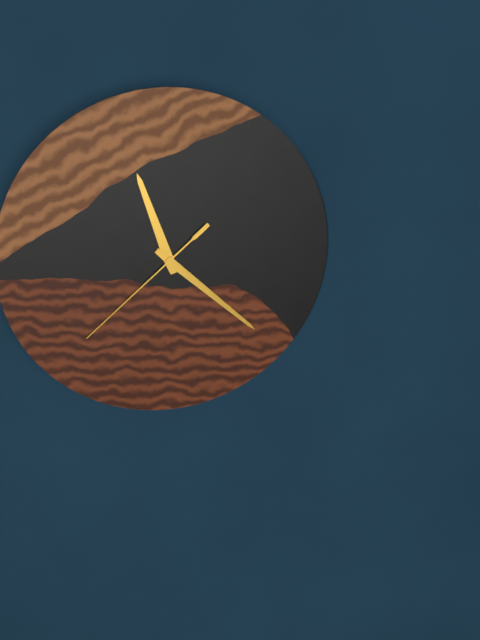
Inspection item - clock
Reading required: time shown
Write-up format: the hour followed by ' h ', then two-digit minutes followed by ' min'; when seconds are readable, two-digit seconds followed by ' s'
11 h 22 min 38 s
